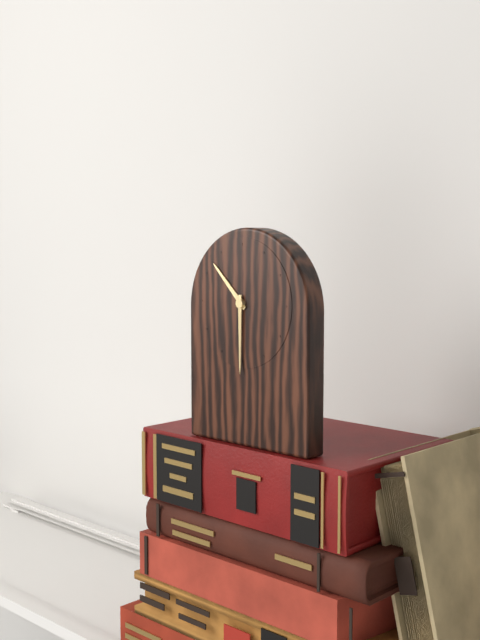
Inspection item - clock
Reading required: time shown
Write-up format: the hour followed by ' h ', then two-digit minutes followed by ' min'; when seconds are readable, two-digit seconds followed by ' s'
10 h 30 min
